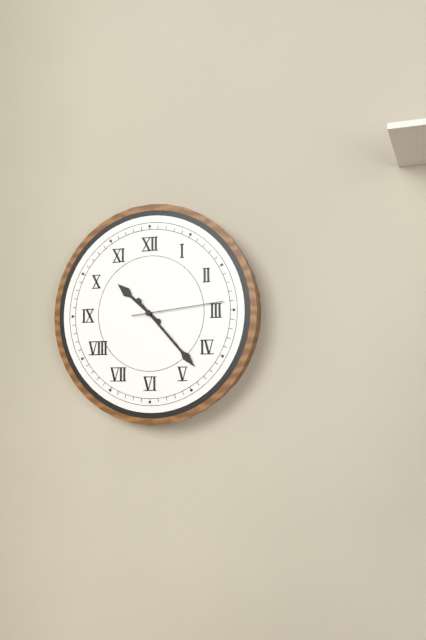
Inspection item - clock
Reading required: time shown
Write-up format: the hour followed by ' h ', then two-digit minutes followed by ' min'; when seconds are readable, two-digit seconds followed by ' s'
10 h 23 min 14 s
